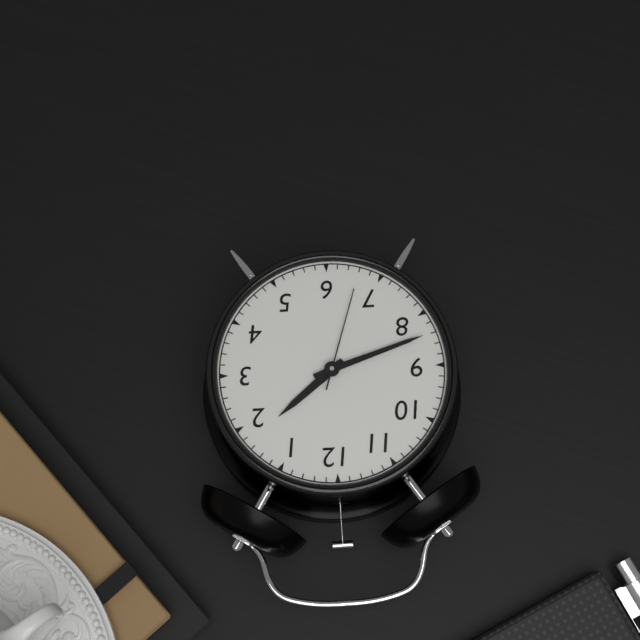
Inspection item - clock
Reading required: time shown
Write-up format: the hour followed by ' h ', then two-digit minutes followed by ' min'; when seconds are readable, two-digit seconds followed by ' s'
1 h 42 min 33 s
